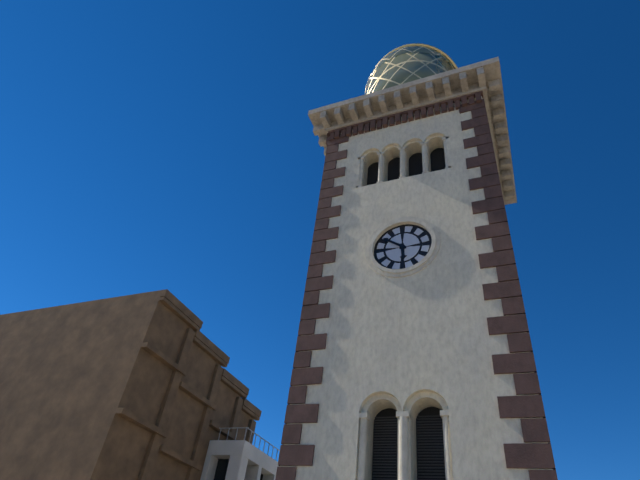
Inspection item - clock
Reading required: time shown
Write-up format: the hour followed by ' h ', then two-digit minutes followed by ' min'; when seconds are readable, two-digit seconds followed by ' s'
5 h 51 min
